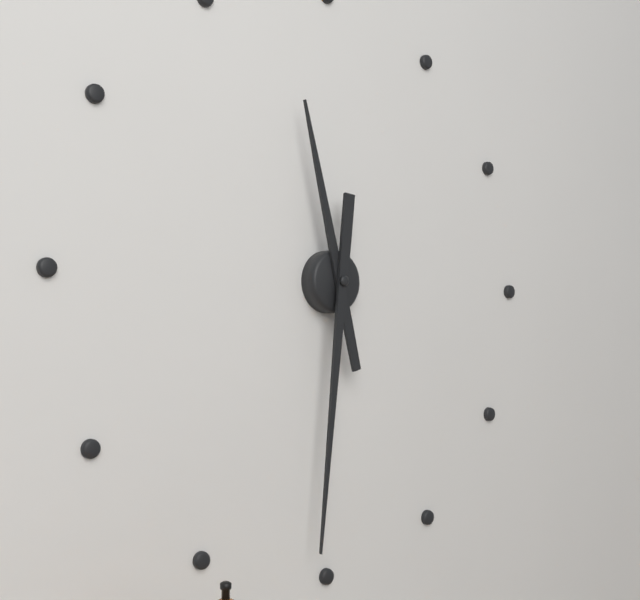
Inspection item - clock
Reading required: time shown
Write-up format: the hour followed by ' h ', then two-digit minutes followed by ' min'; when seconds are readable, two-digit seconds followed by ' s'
11 h 31 min
